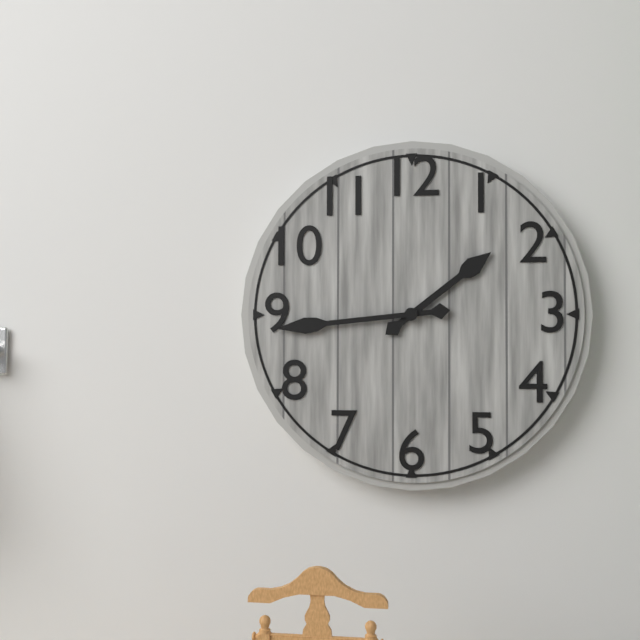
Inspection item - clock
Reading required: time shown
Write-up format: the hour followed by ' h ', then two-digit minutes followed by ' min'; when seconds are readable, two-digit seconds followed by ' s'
1 h 44 min
